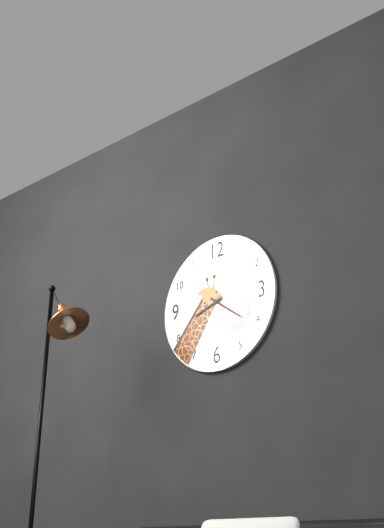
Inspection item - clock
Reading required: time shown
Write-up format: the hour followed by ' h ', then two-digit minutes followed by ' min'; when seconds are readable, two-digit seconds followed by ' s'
8 h 21 min
